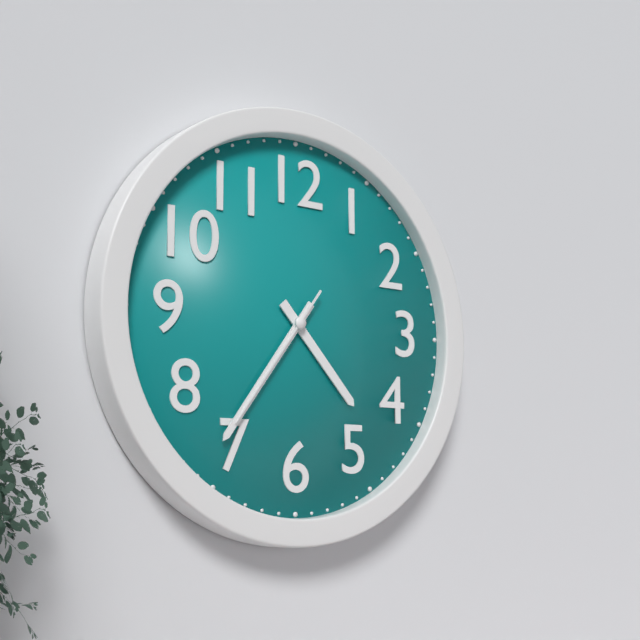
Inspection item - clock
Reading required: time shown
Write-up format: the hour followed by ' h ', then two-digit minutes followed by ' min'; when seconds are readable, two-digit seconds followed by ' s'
4 h 36 min 36 s
